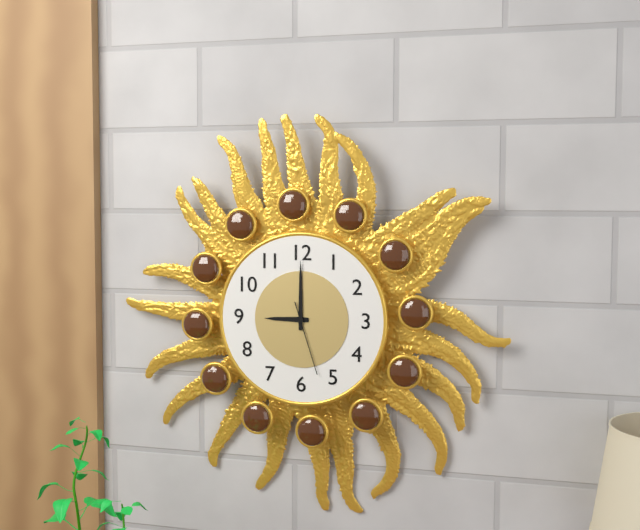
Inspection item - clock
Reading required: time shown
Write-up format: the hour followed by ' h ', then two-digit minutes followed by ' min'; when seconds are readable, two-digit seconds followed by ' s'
9 h 00 min 27 s
